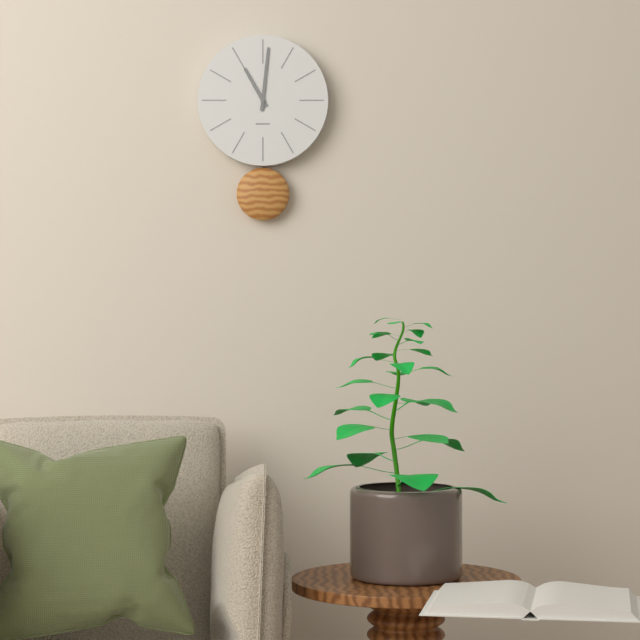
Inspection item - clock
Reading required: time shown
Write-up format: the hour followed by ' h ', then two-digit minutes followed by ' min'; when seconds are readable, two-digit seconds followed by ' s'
11 h 01 min
